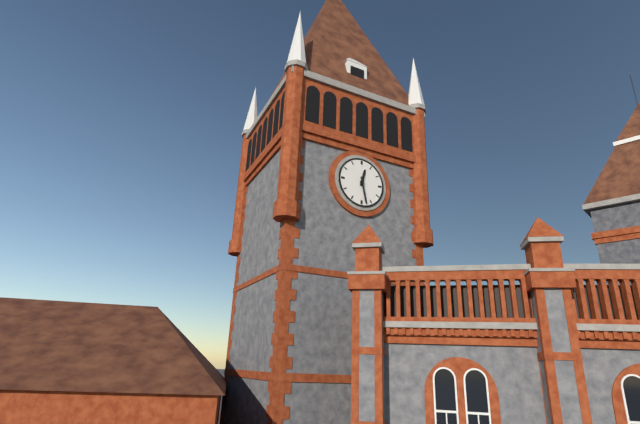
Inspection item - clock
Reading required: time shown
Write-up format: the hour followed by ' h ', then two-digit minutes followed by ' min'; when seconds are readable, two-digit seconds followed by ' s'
12 h 28 min
